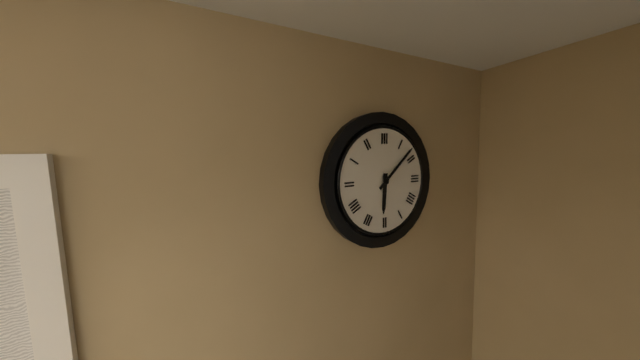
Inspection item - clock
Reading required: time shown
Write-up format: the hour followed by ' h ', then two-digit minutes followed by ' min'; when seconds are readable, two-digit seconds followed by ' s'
6 h 08 min
